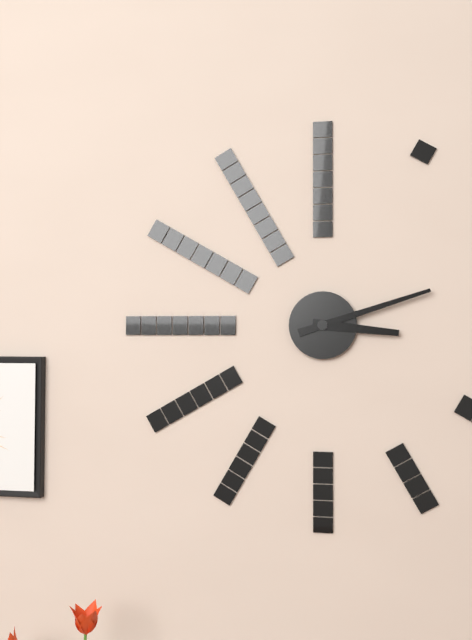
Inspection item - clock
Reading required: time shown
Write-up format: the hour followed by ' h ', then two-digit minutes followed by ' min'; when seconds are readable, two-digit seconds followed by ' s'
3 h 12 min
